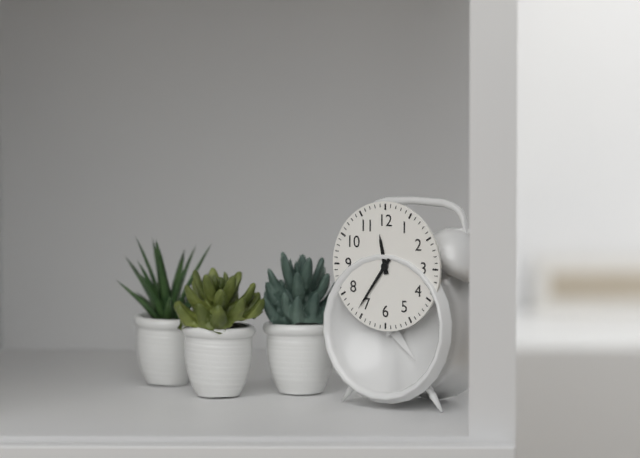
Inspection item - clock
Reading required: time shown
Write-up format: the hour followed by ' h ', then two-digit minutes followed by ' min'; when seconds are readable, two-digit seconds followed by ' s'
11 h 36 min
